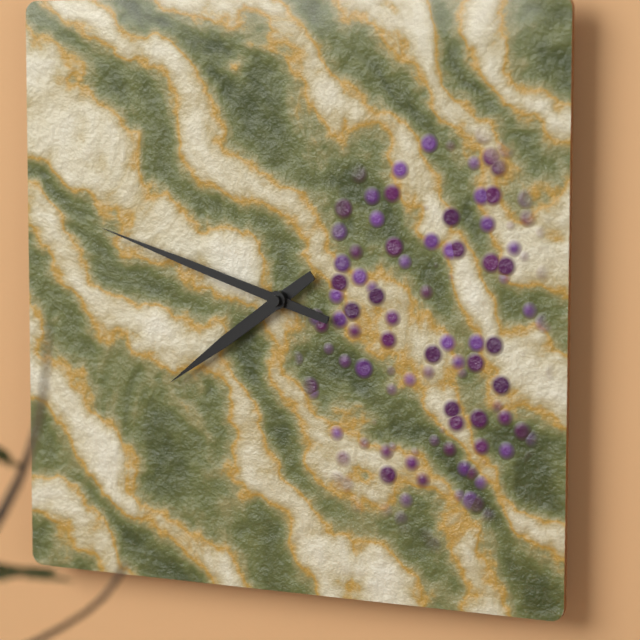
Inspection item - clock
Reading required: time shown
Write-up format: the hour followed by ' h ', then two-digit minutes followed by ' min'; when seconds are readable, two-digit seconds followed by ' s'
7 h 48 min
